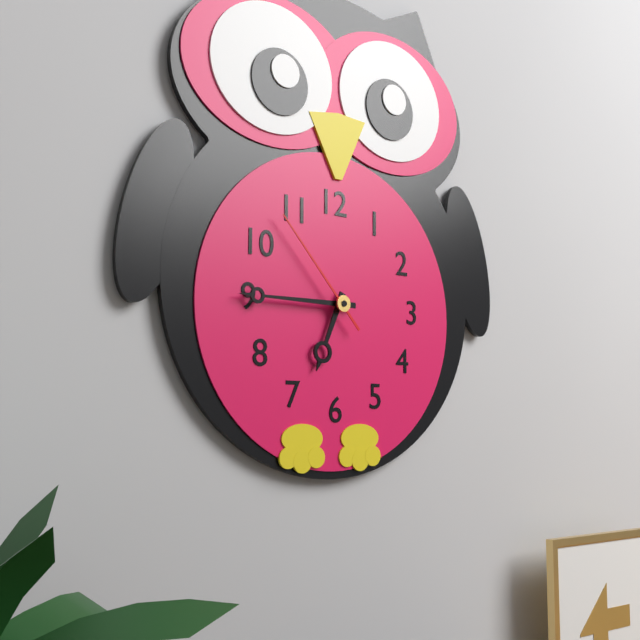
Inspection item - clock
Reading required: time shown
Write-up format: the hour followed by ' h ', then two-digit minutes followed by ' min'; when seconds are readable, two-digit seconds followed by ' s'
6 h 45 min 53 s
